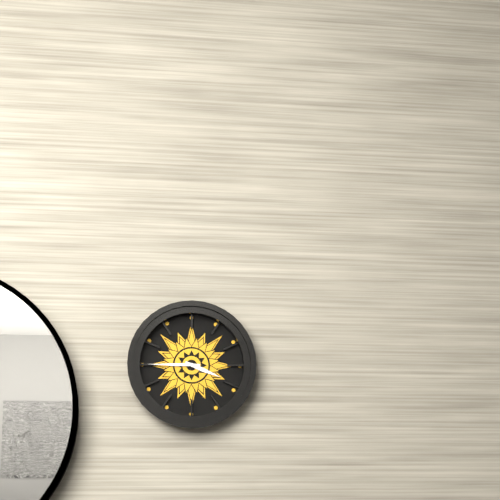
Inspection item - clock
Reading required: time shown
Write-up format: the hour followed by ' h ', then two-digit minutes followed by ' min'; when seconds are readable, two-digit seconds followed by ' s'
3 h 45 min
